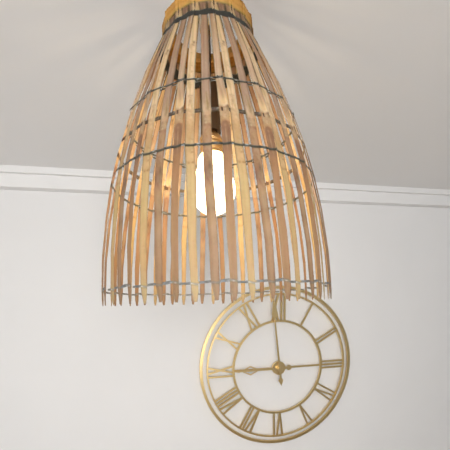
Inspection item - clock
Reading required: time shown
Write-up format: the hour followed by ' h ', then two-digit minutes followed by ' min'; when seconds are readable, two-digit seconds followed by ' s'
8 h 59 min
